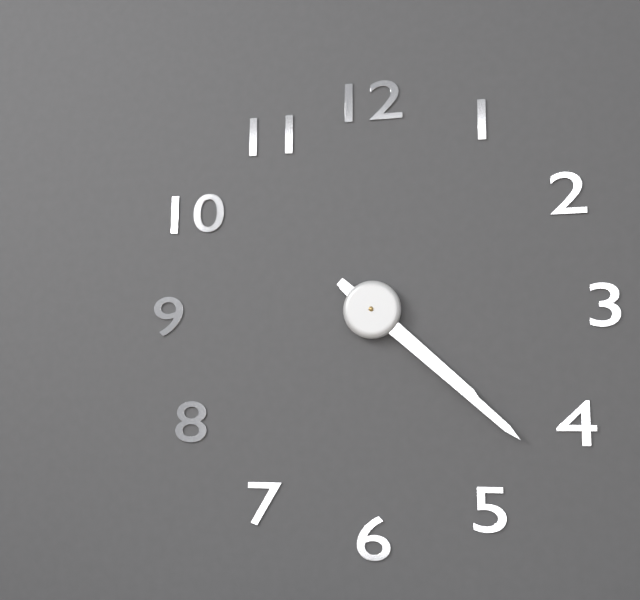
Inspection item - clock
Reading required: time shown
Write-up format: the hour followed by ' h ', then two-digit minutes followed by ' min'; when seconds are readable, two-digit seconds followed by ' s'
4 h 22 min
